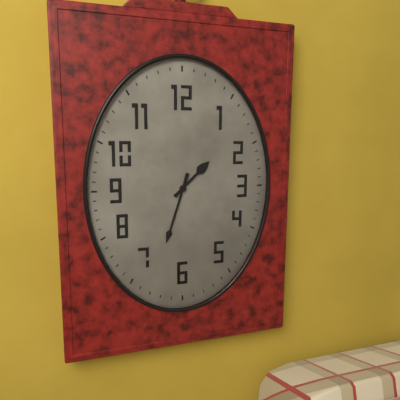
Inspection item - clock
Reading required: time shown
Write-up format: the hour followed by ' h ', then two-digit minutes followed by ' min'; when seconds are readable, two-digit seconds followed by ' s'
1 h 33 min
